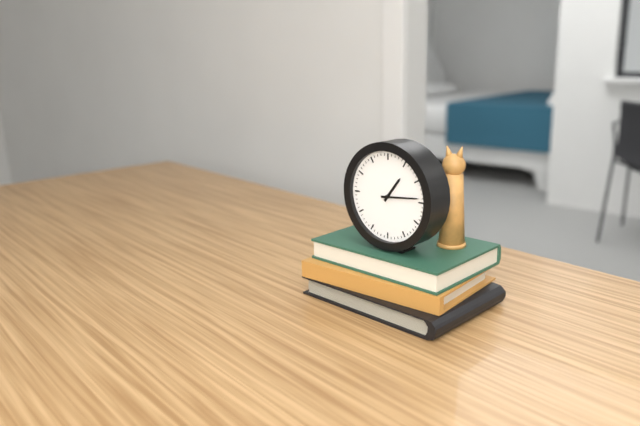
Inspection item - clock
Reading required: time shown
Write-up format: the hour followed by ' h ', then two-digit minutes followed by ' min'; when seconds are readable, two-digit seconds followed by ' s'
1 h 14 min
